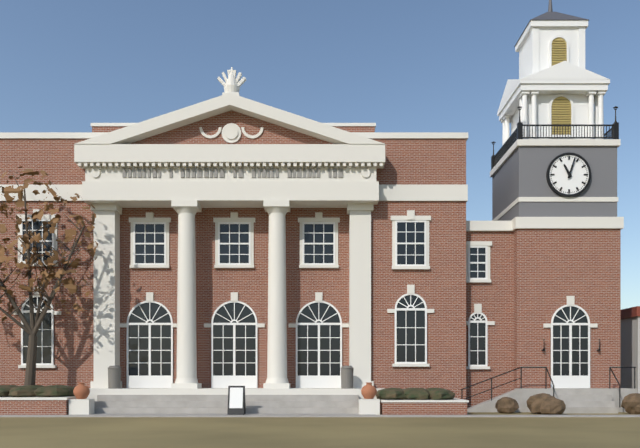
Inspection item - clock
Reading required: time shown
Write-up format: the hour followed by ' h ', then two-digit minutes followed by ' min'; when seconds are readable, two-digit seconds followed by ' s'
11 h 03 min
